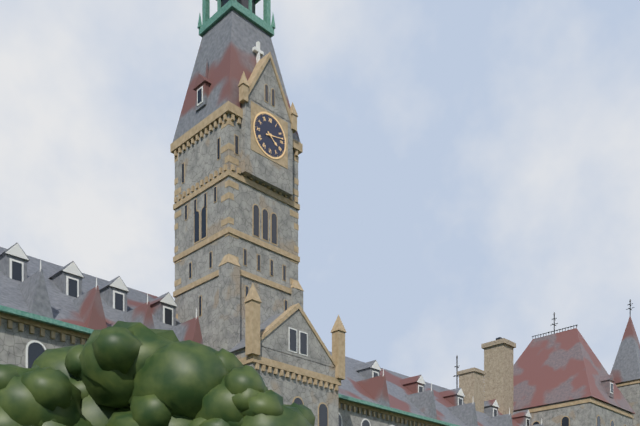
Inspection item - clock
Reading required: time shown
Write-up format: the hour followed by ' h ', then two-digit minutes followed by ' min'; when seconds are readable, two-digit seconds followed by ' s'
4 h 13 min
